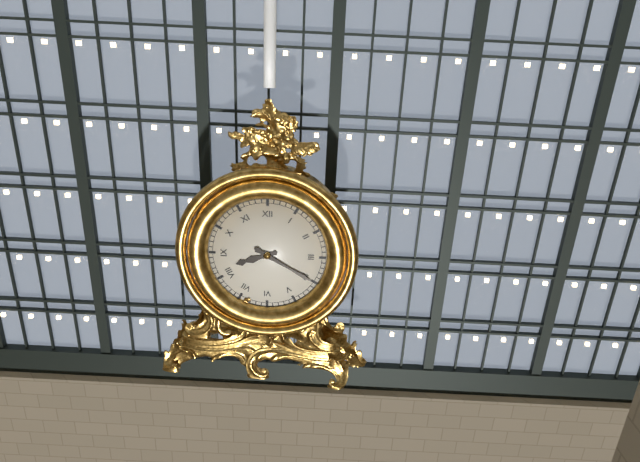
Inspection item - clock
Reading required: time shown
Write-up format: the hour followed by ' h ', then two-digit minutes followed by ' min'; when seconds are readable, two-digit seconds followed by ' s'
8 h 20 min
